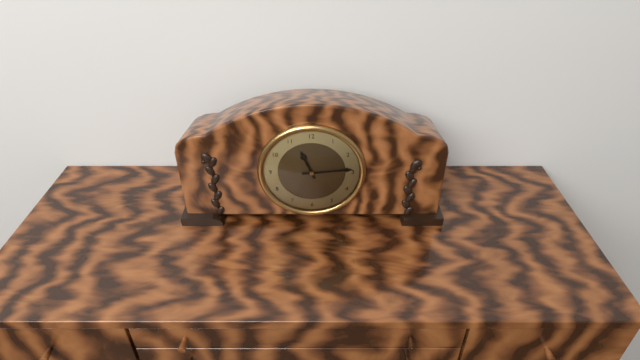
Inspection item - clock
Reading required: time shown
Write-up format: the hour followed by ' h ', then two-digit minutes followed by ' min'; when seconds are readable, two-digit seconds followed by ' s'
11 h 14 min
